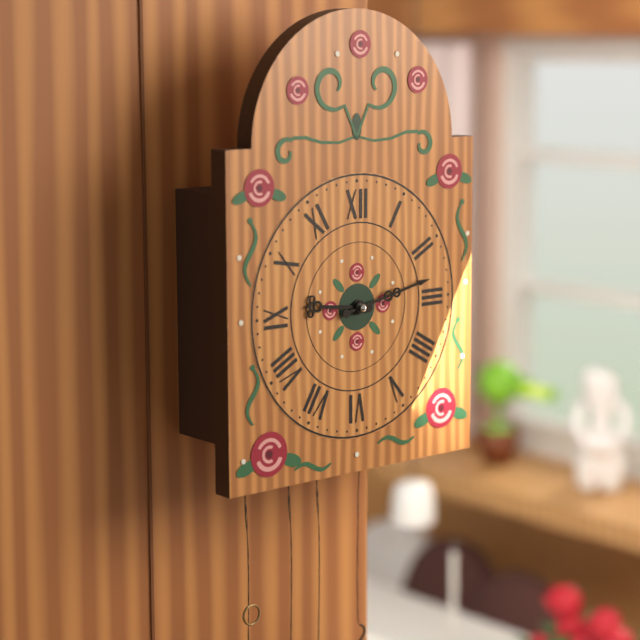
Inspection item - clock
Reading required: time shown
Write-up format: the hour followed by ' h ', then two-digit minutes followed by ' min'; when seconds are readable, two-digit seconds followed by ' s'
9 h 13 min
